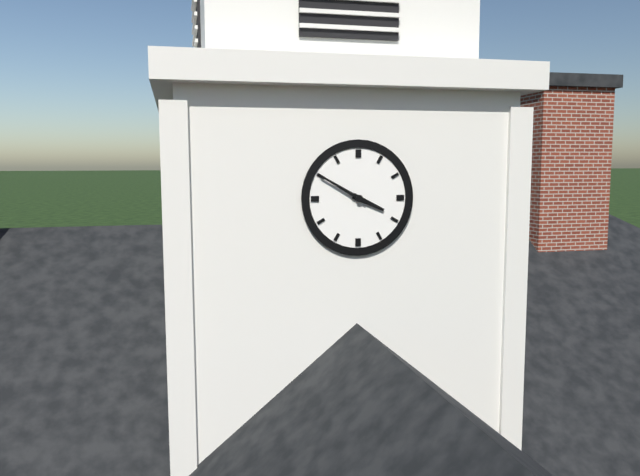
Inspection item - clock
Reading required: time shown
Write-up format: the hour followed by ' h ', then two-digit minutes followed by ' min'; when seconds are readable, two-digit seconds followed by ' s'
3 h 50 min
